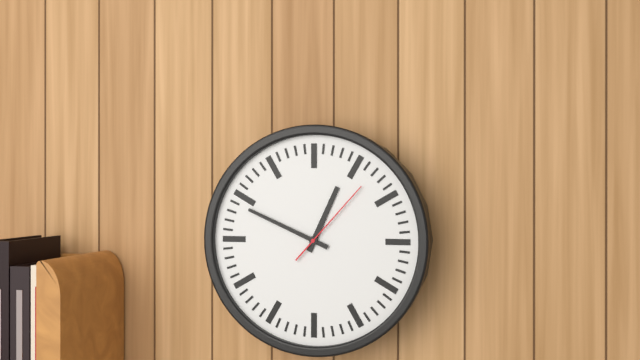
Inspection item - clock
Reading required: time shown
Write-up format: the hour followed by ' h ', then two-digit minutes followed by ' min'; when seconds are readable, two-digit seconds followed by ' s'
12 h 49 min 07 s
